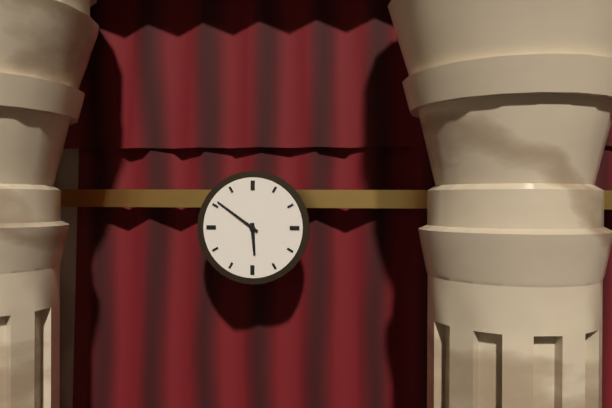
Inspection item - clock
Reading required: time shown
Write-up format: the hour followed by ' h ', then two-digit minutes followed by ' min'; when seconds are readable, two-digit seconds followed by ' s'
5 h 51 min
